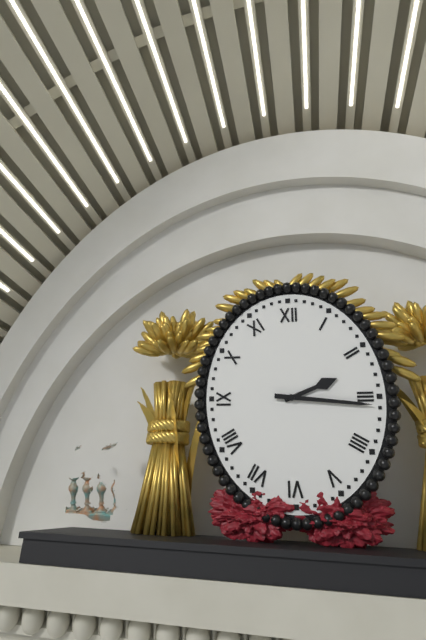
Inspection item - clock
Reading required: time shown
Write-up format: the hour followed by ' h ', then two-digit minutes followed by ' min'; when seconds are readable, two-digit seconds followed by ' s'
2 h 16 min
